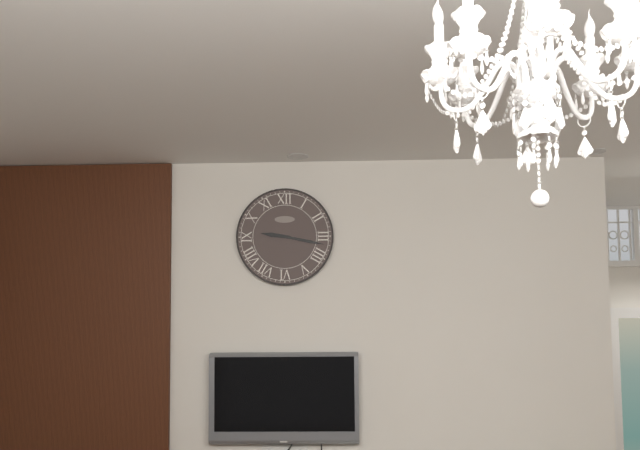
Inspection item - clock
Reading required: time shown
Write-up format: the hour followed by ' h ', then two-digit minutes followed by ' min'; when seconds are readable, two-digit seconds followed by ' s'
9 h 17 min
